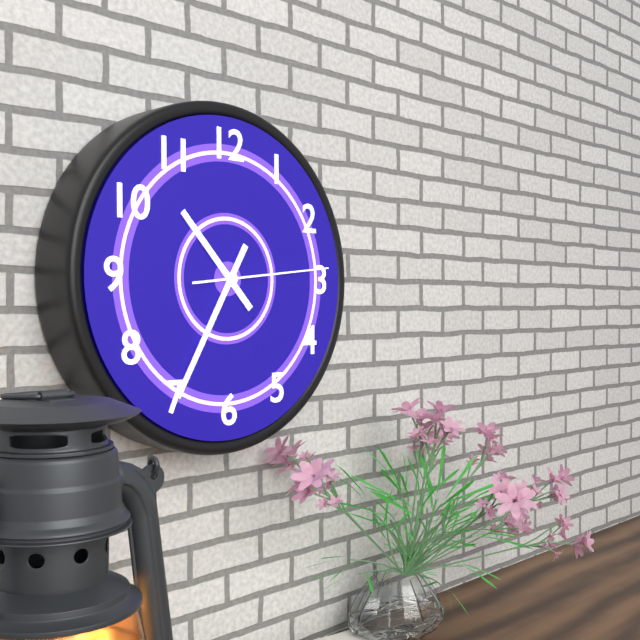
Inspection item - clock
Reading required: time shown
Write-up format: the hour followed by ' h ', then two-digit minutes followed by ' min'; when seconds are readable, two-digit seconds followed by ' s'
10 h 35 min 14 s
